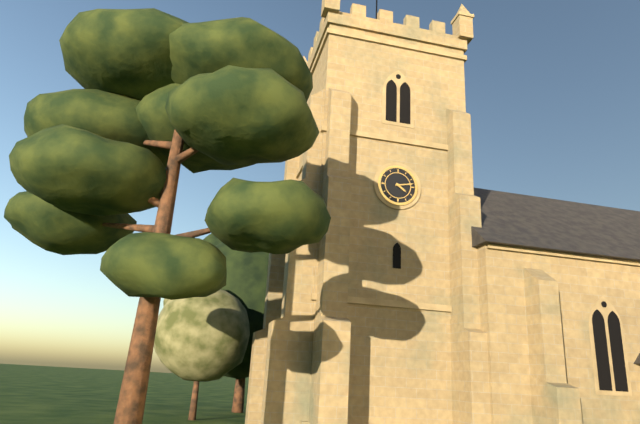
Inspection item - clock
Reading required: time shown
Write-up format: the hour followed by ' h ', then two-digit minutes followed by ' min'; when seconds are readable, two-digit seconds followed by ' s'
4 h 13 min
